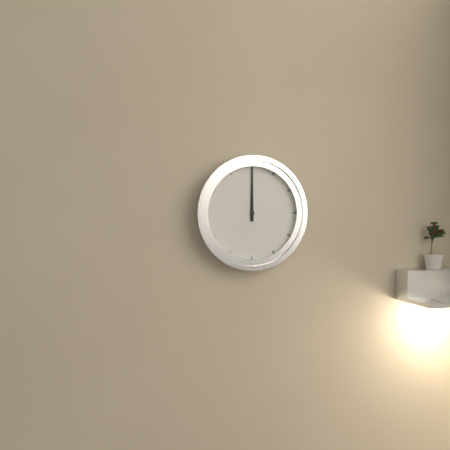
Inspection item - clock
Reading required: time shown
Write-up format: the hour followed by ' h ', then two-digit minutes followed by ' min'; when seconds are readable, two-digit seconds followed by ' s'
12 h 00 min
